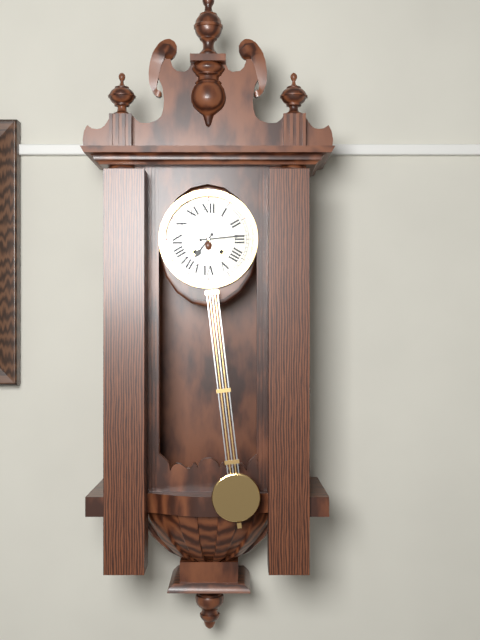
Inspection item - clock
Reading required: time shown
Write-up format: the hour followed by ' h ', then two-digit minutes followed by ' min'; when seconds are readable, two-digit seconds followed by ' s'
7 h 14 min
